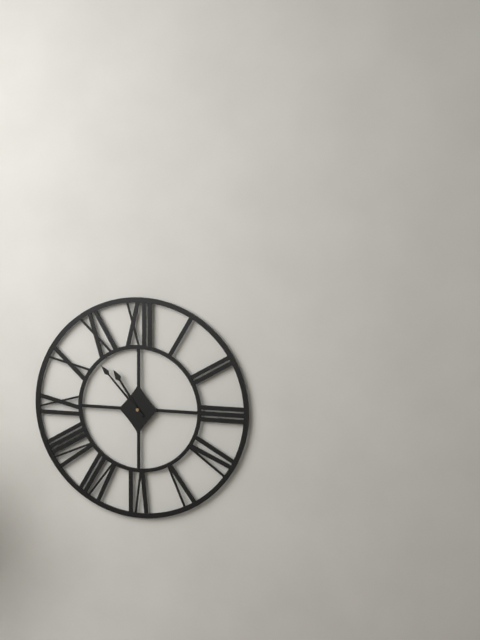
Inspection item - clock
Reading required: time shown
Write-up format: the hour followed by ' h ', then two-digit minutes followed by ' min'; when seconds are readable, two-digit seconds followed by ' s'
10 h 53 min
